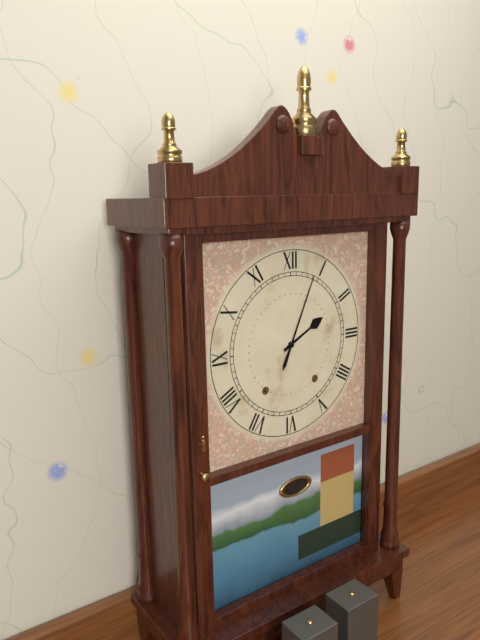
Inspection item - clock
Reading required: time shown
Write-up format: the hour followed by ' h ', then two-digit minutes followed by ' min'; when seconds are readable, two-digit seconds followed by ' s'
2 h 04 min
